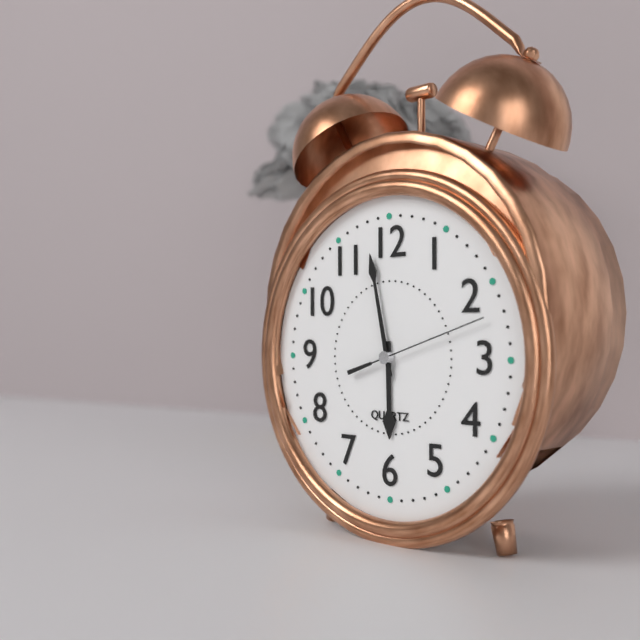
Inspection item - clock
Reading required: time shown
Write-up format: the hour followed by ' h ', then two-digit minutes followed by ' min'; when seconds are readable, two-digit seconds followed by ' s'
5 h 58 min 12 s
